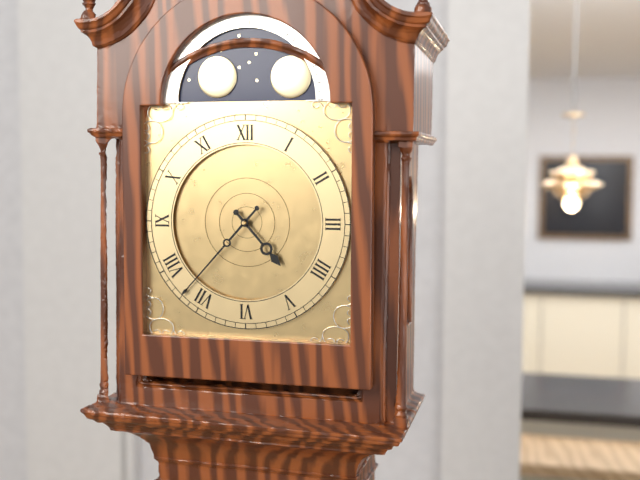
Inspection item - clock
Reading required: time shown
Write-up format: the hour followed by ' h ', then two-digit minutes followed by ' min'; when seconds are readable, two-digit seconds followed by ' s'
4 h 37 min
